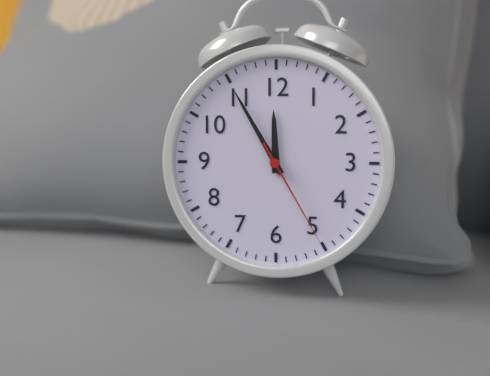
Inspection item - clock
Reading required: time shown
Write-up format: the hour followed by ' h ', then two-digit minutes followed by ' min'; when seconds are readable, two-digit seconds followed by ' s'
11 h 55 min 25 s
